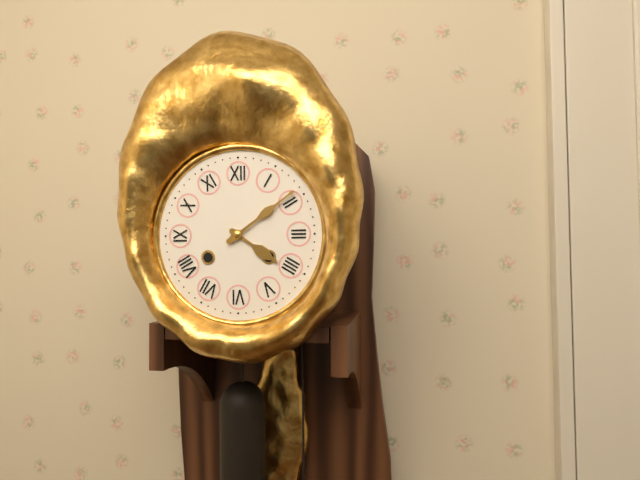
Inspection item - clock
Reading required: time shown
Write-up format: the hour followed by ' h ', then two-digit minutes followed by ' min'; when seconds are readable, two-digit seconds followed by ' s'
4 h 09 min
